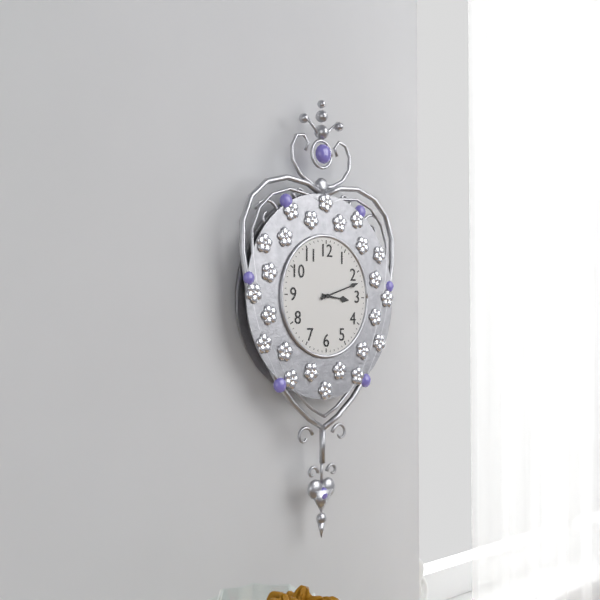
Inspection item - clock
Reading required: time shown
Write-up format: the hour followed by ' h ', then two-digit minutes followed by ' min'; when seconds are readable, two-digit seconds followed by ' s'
3 h 12 min
